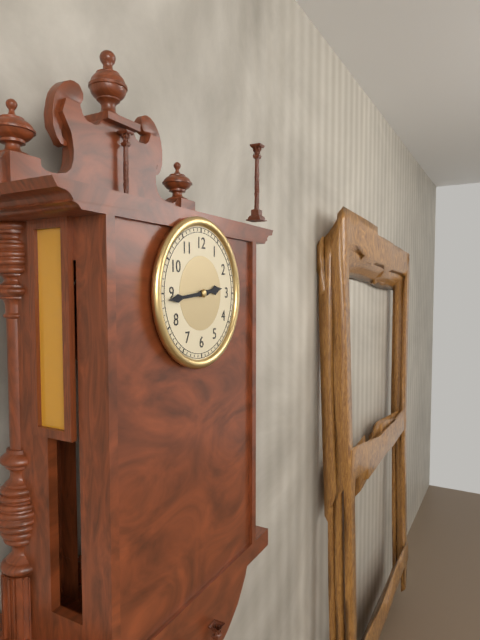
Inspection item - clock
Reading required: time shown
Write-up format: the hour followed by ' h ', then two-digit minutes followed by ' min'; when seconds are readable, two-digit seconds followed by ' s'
2 h 44 min
